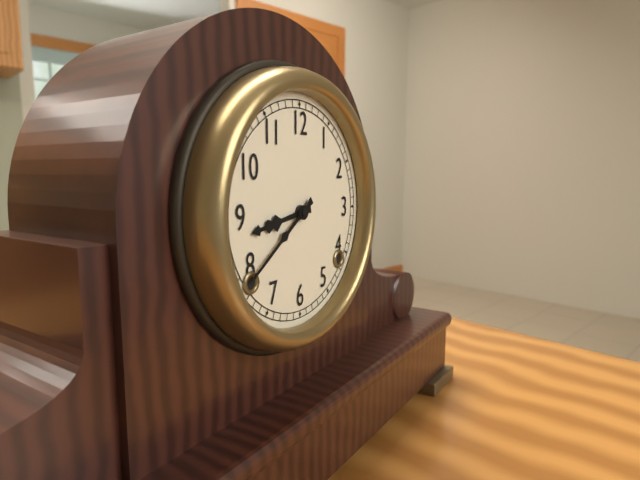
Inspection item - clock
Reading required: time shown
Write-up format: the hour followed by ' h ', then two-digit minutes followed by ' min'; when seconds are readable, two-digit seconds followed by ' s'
8 h 39 min
